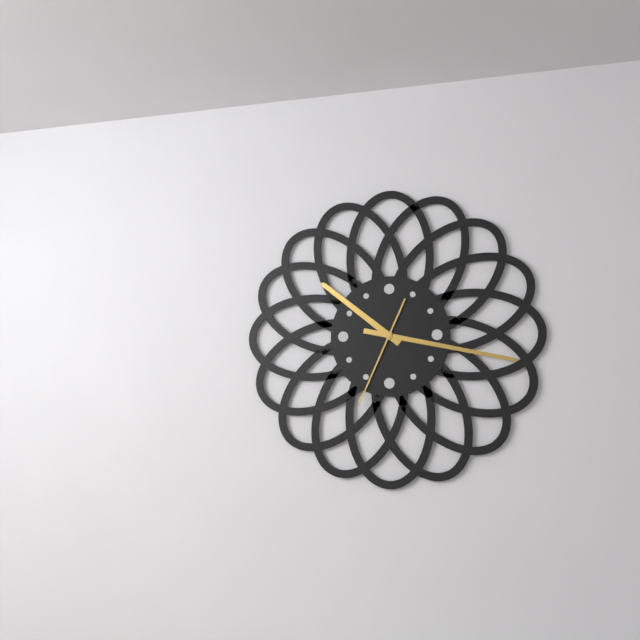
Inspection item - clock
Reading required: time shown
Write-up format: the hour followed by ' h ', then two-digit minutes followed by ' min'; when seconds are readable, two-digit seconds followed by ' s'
10 h 17 min 34 s
